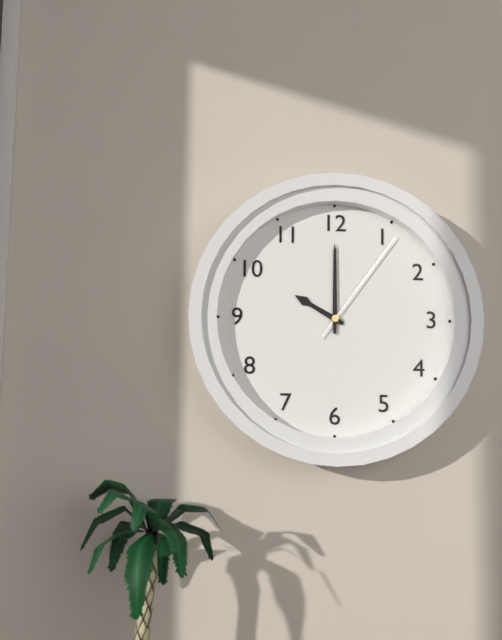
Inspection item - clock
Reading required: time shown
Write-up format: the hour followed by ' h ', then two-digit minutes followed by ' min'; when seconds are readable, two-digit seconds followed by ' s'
10 h 00 min 06 s
